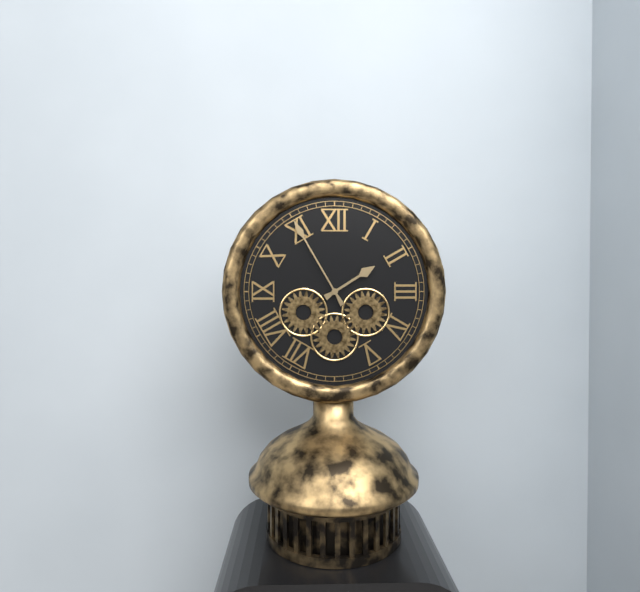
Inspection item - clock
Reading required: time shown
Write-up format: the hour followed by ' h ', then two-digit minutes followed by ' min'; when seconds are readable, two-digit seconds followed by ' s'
1 h 55 min
